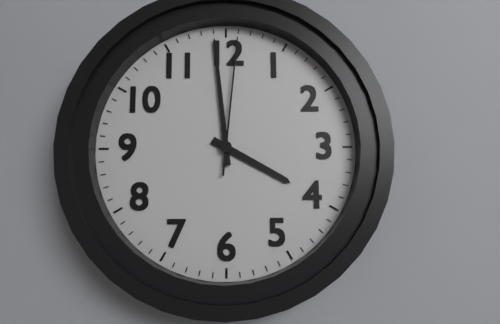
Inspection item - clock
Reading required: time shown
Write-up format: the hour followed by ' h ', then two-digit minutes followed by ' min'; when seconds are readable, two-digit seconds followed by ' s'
3 h 59 min 01 s
